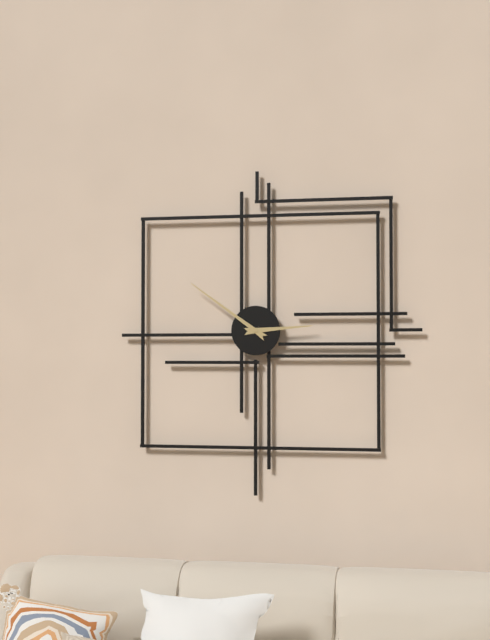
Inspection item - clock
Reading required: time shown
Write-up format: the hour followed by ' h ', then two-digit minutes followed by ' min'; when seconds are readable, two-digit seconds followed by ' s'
2 h 51 min
